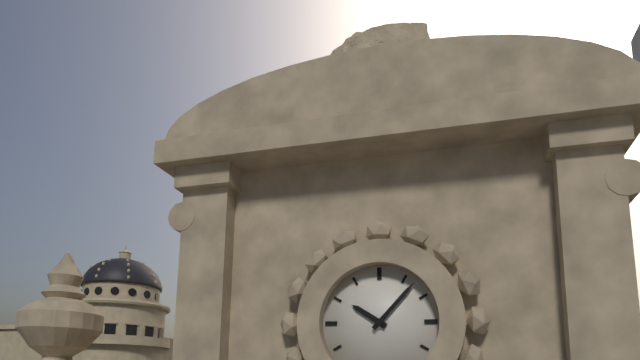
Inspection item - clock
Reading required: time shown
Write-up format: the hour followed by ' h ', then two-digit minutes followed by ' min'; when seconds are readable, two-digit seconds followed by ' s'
10 h 07 min
